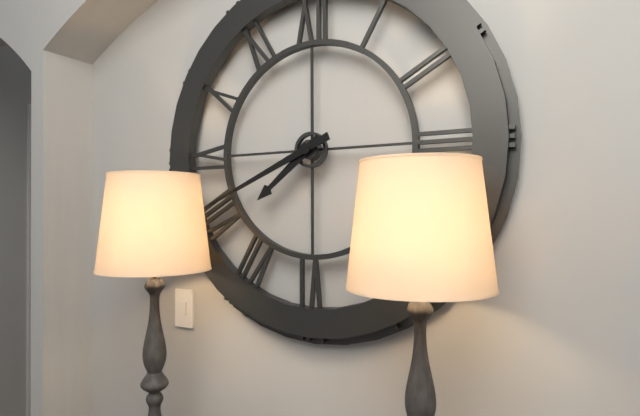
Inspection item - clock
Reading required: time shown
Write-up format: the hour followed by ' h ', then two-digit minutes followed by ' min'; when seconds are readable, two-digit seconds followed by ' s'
7 h 41 min
